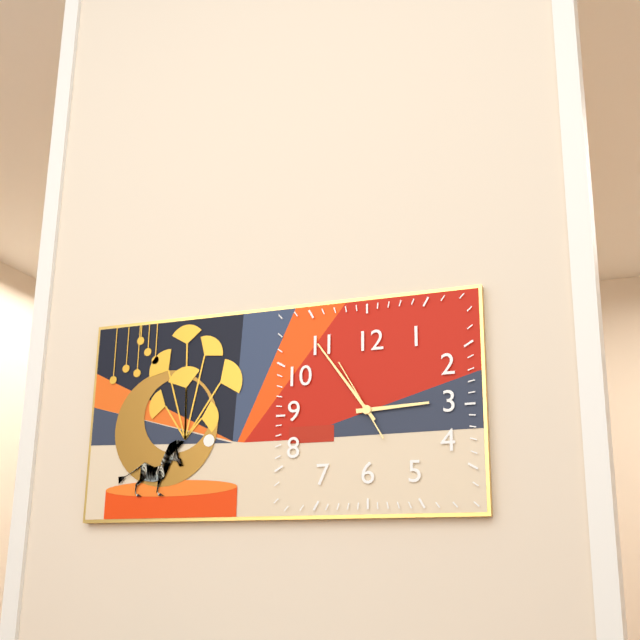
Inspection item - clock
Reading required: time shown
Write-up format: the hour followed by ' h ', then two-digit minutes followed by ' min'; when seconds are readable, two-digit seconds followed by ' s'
2 h 54 min 55 s
